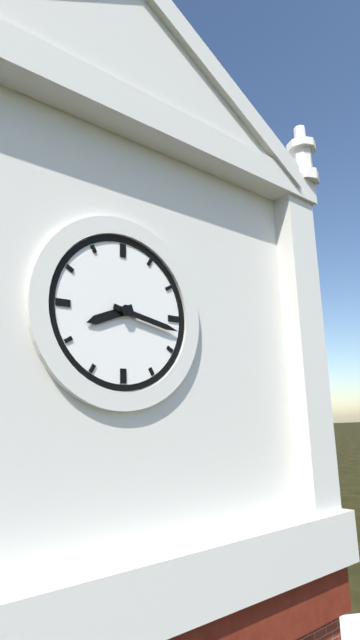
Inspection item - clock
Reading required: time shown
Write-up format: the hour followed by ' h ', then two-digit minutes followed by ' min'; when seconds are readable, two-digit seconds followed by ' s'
8 h 17 min
